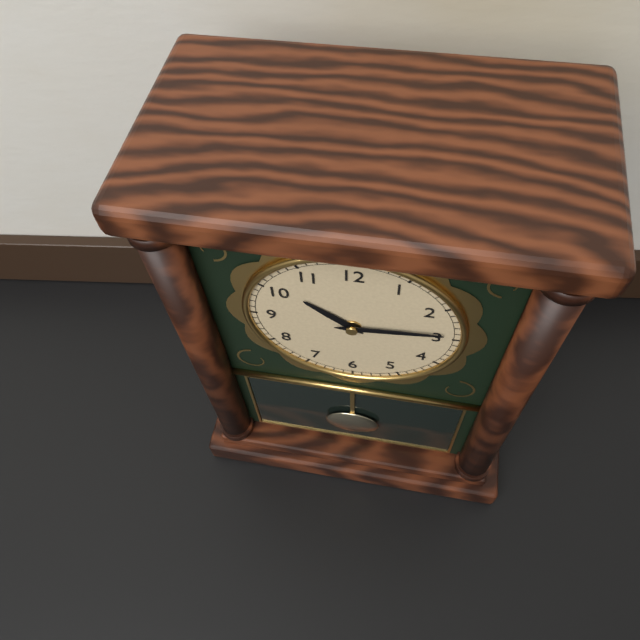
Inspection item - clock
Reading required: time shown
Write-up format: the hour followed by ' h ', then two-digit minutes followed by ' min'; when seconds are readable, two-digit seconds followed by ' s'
10 h 14 min
